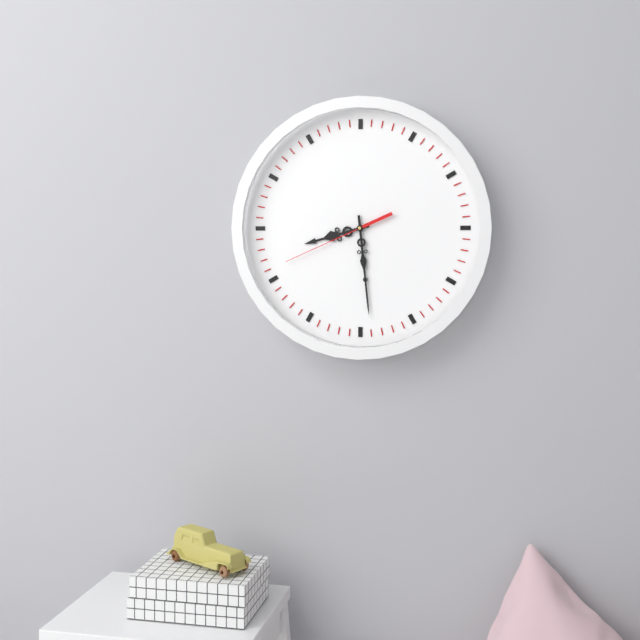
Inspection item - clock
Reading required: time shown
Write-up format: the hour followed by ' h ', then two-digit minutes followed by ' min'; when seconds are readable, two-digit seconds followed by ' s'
8 h 29 min 41 s
